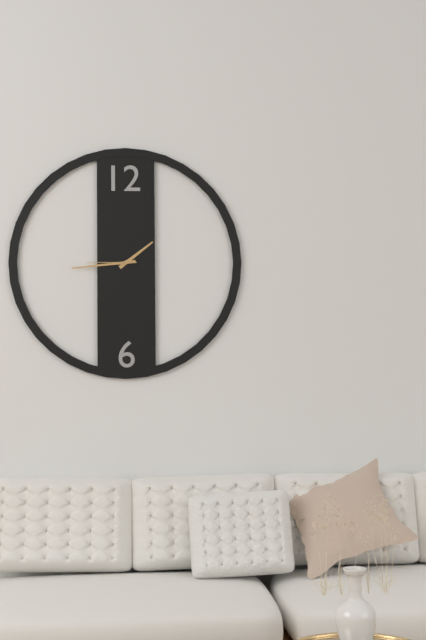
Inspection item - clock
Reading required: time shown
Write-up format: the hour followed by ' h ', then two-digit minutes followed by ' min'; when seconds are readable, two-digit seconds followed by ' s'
1 h 44 min
